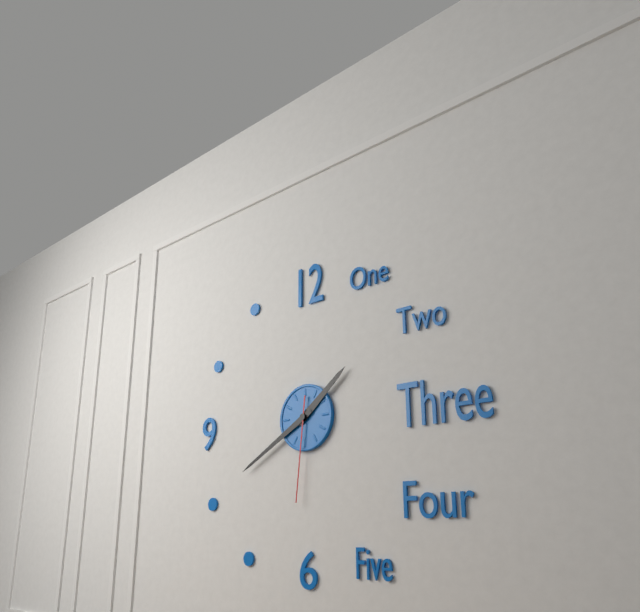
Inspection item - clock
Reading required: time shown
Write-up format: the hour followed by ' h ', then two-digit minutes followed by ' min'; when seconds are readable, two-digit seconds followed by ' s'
1 h 40 min 31 s
